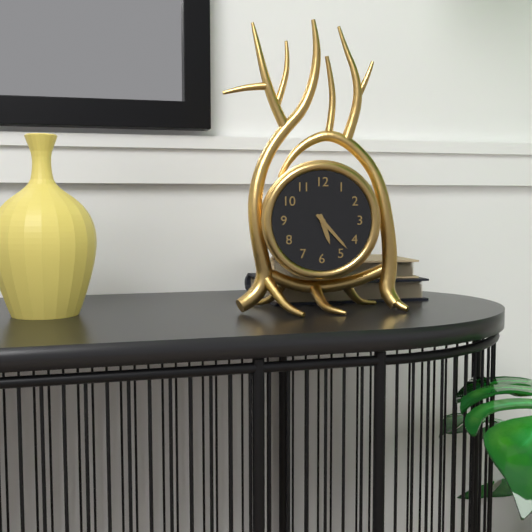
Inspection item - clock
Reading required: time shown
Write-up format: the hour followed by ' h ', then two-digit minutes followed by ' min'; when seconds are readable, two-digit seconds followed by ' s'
5 h 23 min
